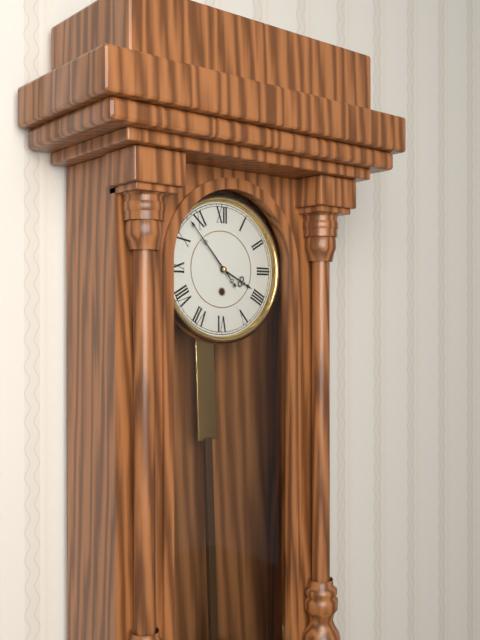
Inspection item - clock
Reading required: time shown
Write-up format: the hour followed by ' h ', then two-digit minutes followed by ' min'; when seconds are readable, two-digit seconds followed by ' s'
3 h 53 min
